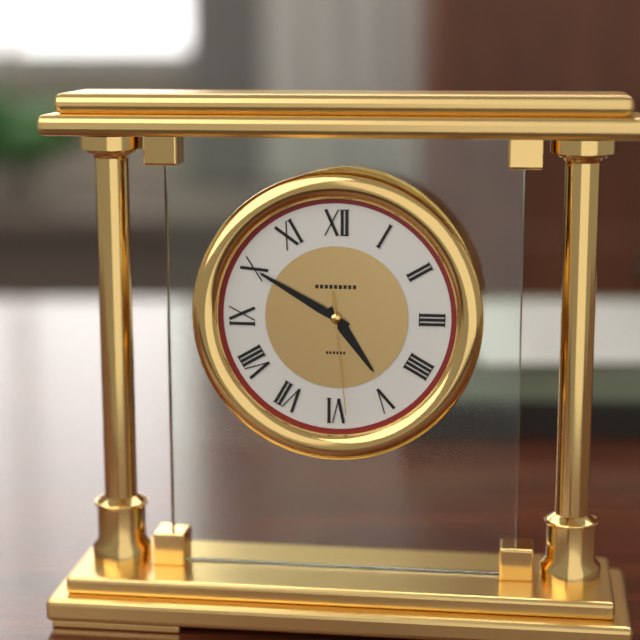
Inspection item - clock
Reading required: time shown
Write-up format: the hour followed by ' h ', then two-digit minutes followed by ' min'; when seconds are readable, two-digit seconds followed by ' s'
4 h 50 min 29 s
